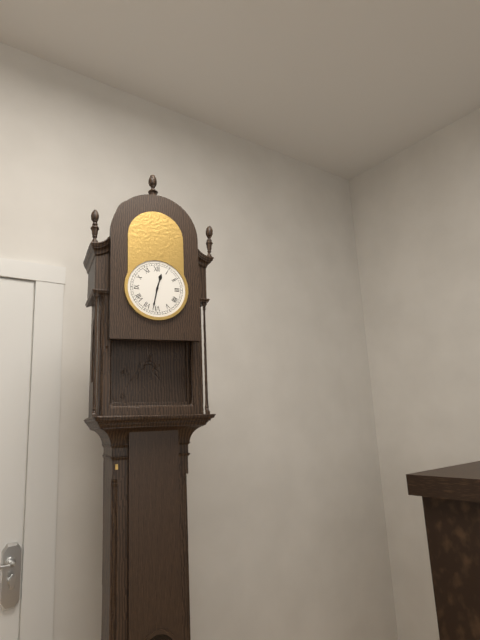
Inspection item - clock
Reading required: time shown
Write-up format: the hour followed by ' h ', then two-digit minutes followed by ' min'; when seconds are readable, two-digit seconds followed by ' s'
12 h 32 min
